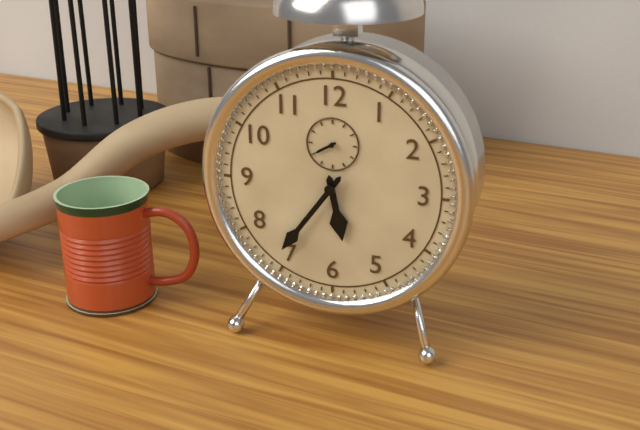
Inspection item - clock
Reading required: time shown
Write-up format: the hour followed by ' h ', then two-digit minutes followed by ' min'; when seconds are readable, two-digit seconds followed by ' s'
5 h 36 min
